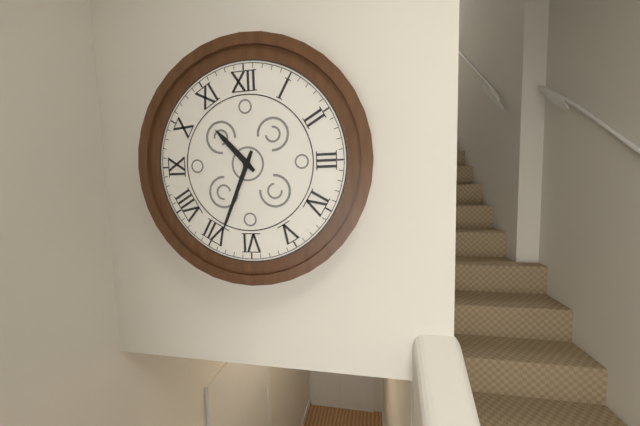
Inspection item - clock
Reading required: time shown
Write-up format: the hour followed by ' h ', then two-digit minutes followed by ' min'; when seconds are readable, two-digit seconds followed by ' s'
10 h 34 min
